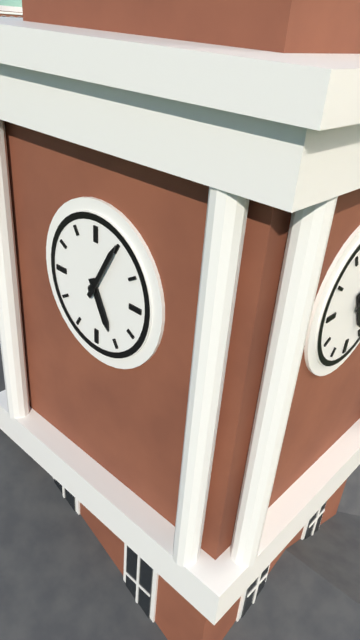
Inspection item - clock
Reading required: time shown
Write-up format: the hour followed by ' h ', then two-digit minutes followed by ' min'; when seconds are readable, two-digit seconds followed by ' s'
5 h 05 min
